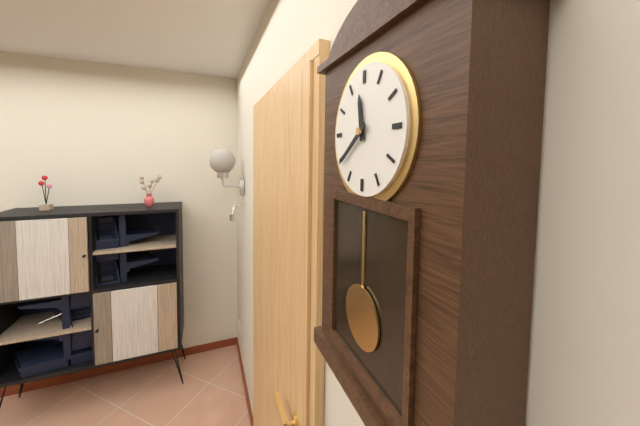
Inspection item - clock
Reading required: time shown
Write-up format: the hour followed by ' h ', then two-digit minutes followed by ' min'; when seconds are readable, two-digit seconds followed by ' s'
11 h 39 min
